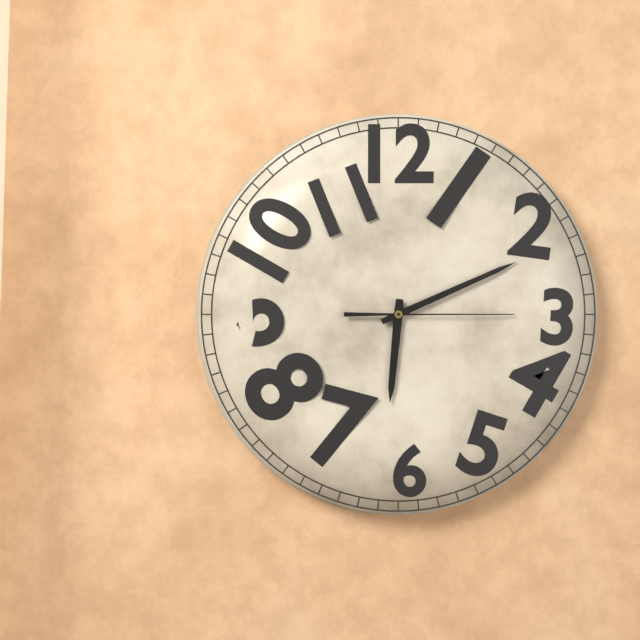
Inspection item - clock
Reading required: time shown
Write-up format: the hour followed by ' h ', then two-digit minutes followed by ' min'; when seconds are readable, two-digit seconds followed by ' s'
6 h 11 min 15 s
